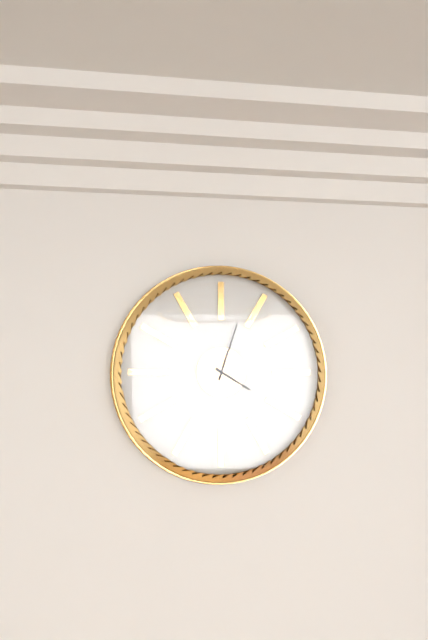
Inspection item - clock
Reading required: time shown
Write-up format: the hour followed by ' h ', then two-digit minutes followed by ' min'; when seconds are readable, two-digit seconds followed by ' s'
4 h 03 min
